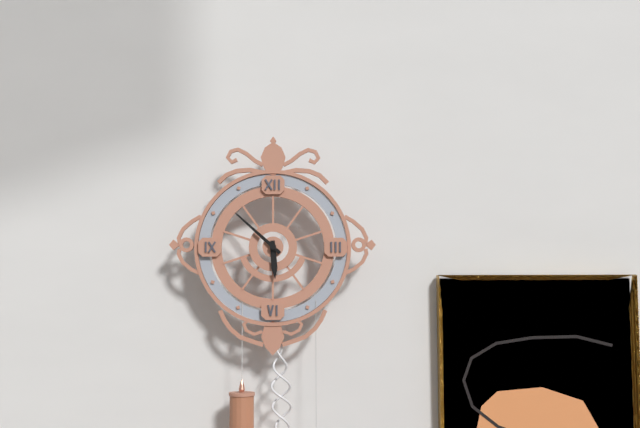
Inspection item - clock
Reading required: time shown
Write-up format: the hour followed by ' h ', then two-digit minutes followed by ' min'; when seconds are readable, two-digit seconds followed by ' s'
5 h 52 min
